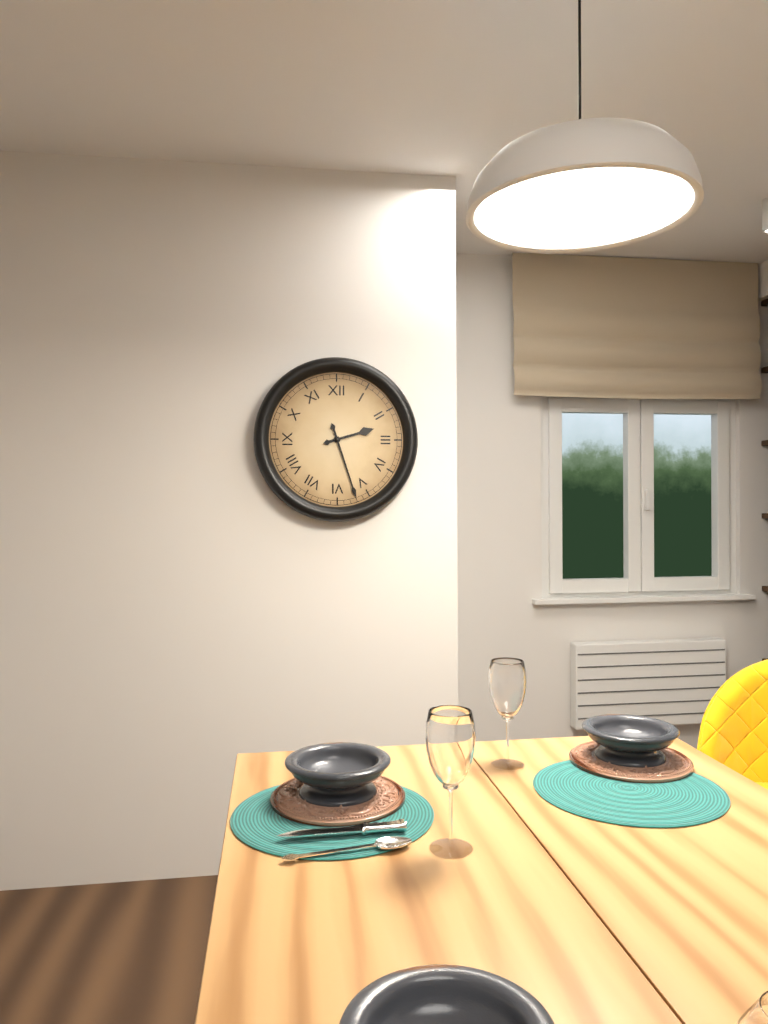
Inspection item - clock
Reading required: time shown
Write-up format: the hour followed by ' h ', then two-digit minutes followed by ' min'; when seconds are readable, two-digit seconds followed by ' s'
2 h 27 min
